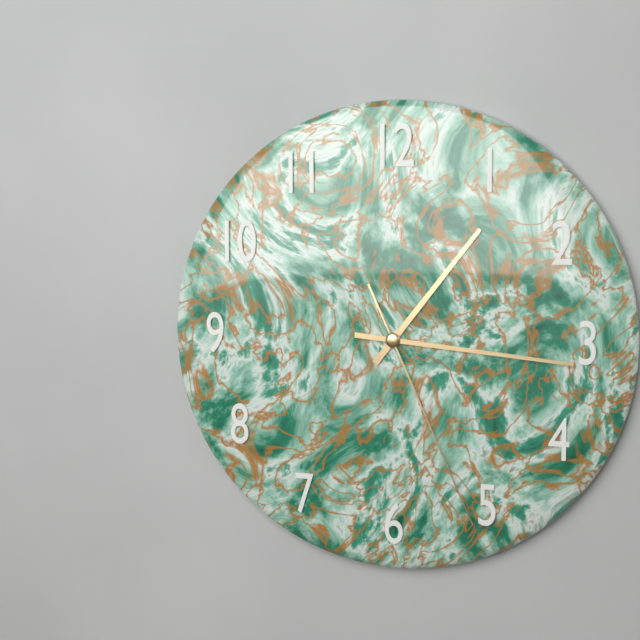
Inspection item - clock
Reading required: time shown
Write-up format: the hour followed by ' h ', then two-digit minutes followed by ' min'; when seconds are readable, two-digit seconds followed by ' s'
1 h 16 min 26 s
